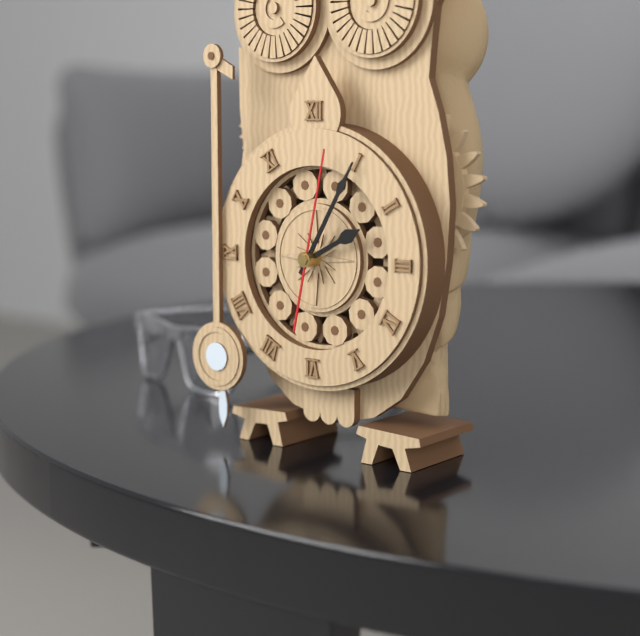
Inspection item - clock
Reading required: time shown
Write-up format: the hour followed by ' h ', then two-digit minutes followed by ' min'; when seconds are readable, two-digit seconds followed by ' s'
2 h 05 min 02 s
